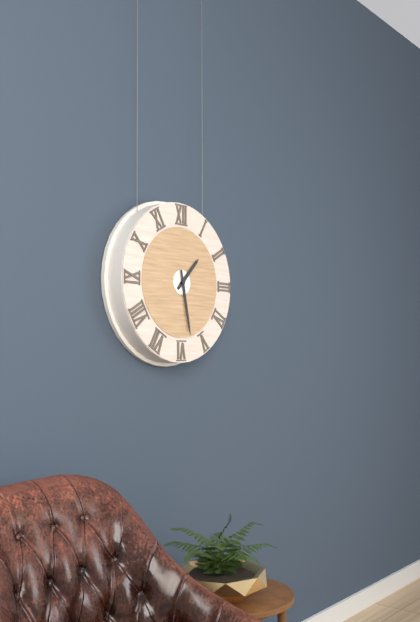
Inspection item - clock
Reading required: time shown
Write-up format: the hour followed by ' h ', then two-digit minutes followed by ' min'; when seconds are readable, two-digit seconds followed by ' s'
1 h 28 min
